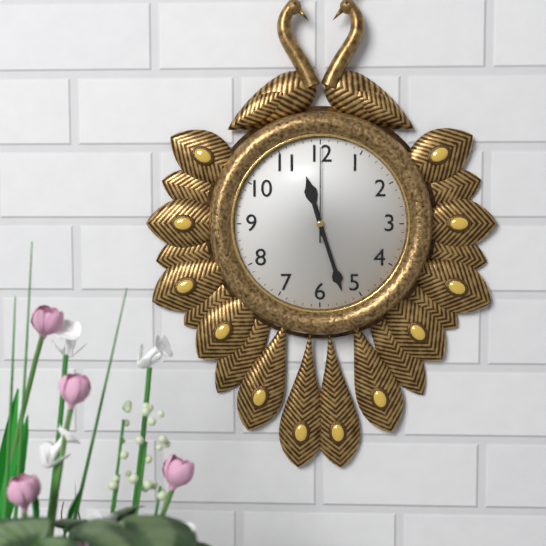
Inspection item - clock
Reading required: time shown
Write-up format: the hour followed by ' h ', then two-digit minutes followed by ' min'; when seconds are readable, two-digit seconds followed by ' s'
11 h 27 min 00 s
